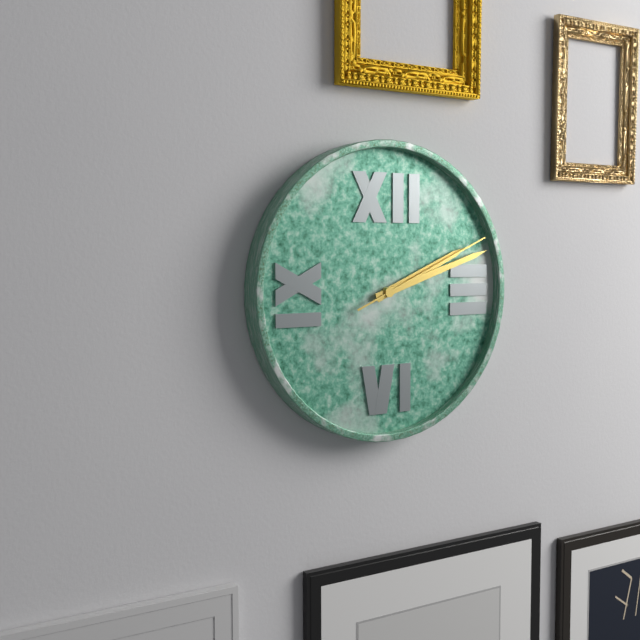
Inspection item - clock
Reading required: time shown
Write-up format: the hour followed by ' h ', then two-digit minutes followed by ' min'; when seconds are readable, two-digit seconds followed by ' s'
2 h 12 min 11 s
